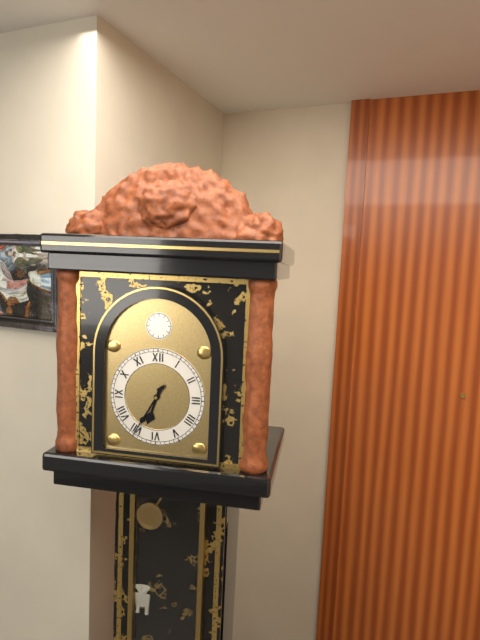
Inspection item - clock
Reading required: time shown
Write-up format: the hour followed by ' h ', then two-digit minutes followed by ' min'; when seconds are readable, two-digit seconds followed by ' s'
6 h 35 min
